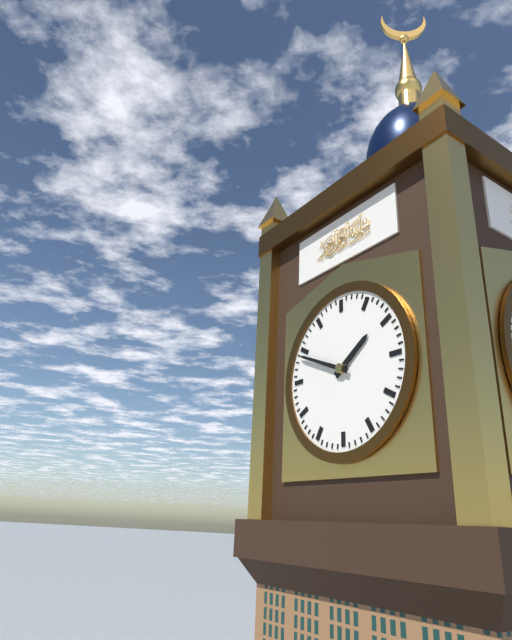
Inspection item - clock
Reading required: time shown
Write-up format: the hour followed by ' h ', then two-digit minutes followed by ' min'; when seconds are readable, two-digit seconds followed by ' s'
1 h 49 min
